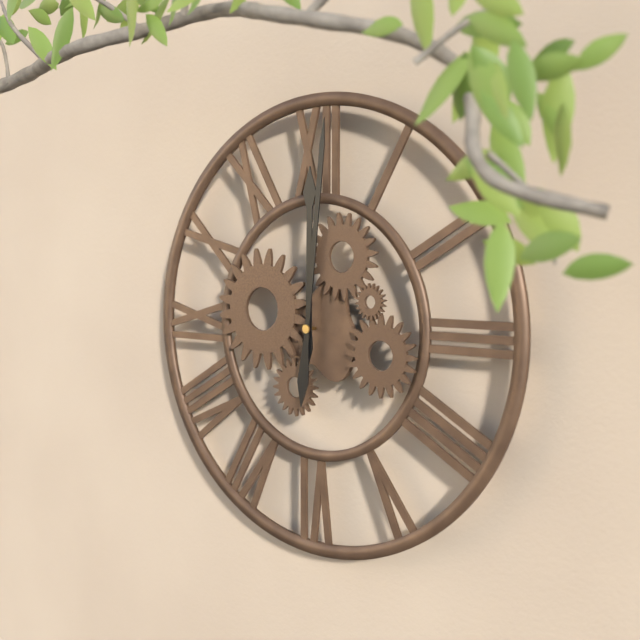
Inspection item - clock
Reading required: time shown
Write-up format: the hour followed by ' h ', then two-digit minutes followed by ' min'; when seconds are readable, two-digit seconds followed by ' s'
12 h 01 min
